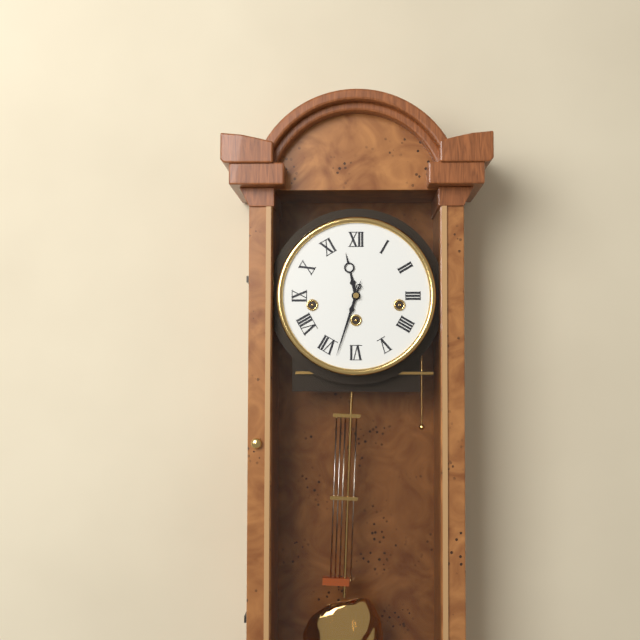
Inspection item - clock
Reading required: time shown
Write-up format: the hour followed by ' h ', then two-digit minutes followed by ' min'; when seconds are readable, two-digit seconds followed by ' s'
11 h 33 min
